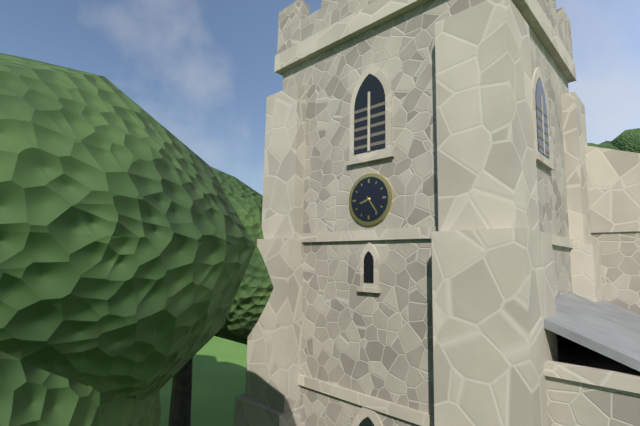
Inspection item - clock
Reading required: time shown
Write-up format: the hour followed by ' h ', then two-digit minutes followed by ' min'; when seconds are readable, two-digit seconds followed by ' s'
8 h 24 min
